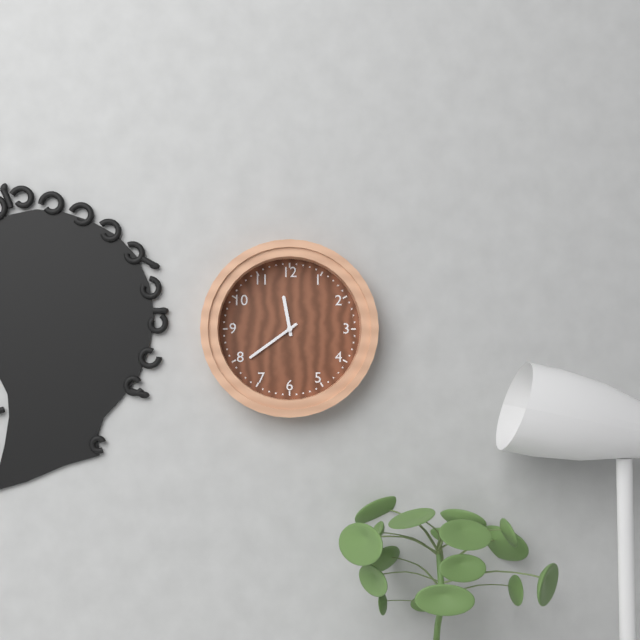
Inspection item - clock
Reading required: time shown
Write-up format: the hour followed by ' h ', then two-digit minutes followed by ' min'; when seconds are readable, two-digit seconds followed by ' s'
11 h 39 min
